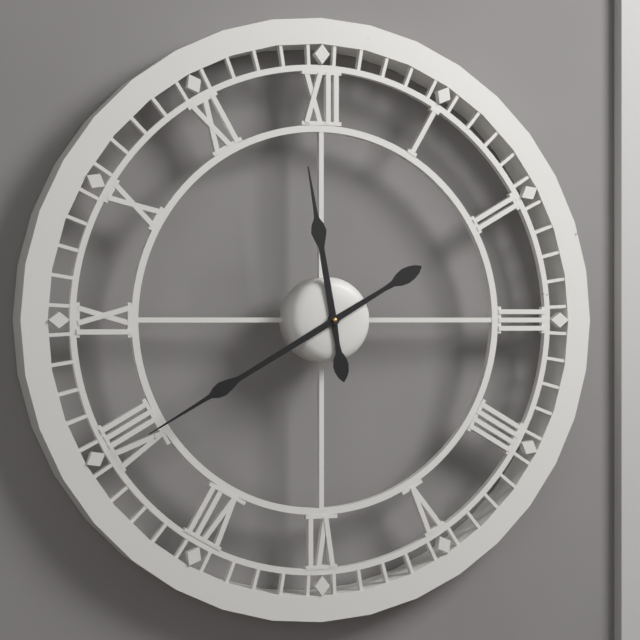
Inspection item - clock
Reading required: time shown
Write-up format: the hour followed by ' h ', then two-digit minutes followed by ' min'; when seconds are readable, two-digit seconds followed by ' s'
11 h 40 min
